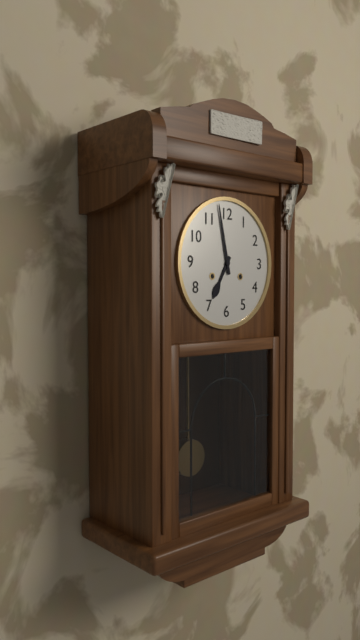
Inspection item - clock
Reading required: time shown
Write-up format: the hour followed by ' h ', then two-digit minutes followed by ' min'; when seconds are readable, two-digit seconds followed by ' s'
6 h 58 min
